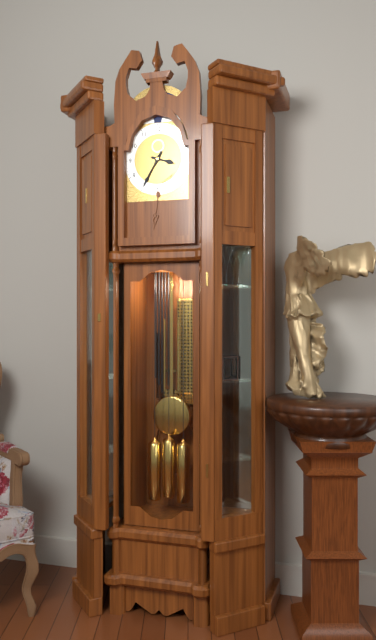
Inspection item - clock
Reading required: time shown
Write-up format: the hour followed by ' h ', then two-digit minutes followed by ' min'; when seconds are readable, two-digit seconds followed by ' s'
3 h 35 min
